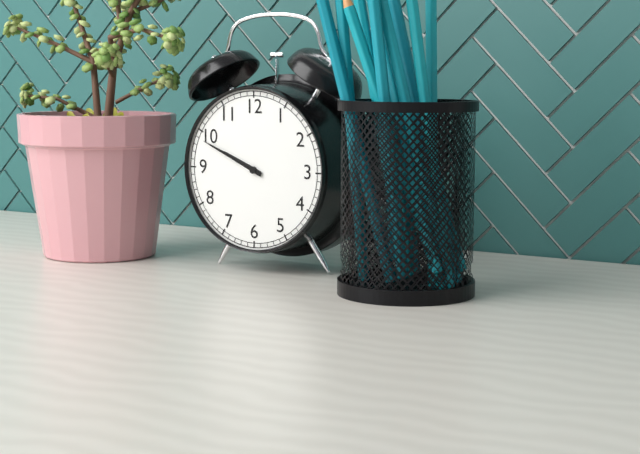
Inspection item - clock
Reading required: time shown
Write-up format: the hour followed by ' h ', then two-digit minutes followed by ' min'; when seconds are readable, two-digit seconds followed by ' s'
9 h 49 min
